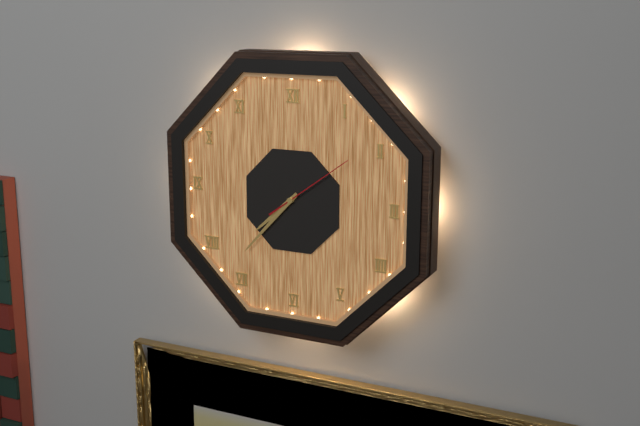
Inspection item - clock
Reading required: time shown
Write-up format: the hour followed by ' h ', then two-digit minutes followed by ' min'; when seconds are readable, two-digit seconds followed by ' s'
7 h 37 min 09 s
